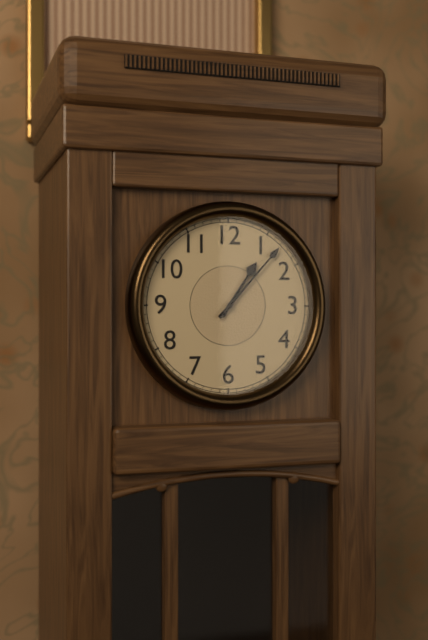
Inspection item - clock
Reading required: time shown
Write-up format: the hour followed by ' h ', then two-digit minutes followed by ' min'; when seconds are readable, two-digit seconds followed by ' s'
1 h 07 min
